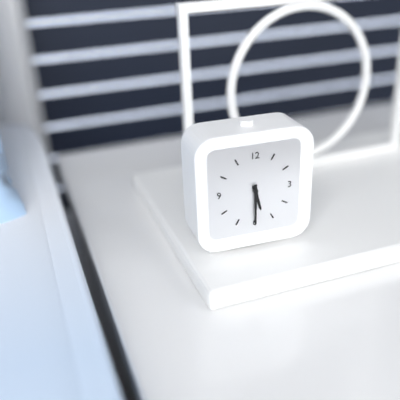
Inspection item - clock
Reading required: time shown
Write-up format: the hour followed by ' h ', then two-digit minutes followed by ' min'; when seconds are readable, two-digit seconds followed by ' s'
5 h 30 min
